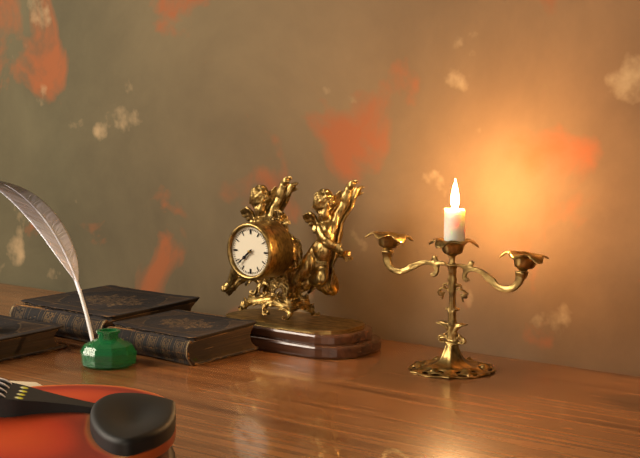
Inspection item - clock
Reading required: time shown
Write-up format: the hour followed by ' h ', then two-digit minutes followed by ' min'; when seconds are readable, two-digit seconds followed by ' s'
7 h 38 min
